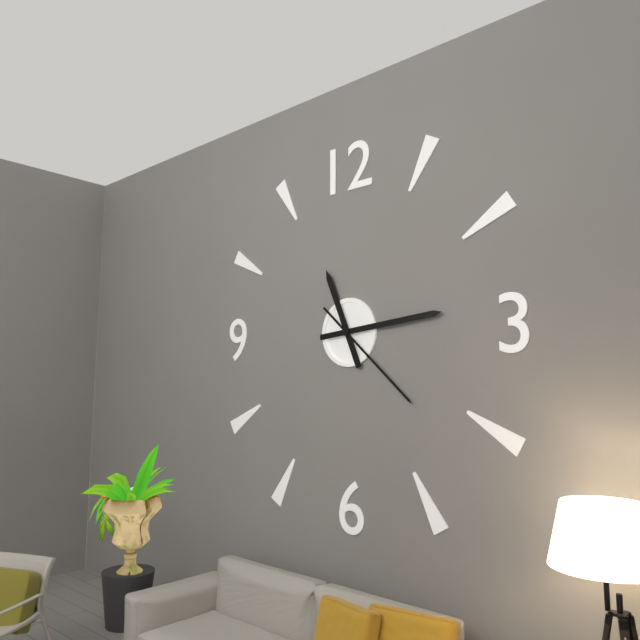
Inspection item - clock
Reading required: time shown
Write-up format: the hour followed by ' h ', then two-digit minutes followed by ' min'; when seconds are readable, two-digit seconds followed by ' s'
11 h 14 min 22 s
